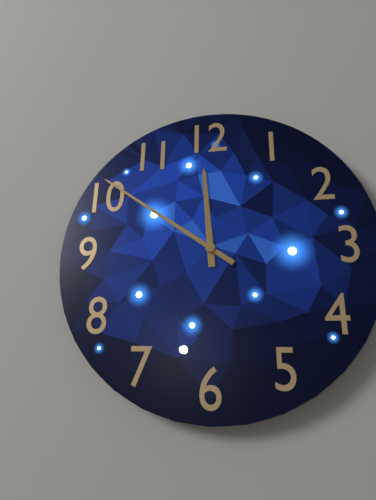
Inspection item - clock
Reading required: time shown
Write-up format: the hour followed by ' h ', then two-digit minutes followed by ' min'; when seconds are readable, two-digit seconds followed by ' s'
11 h 51 min
